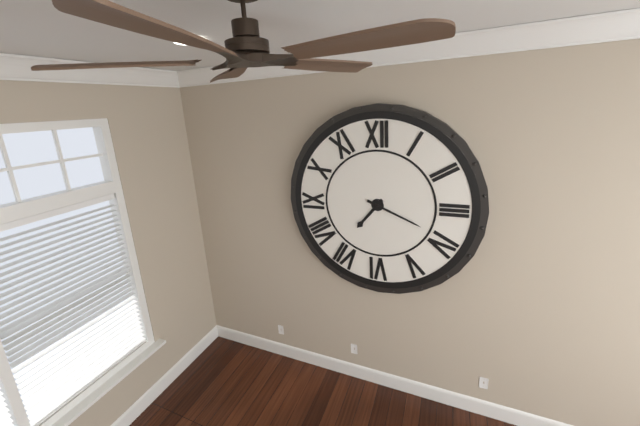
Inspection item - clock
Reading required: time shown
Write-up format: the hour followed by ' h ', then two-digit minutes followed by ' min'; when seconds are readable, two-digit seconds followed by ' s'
7 h 19 min
